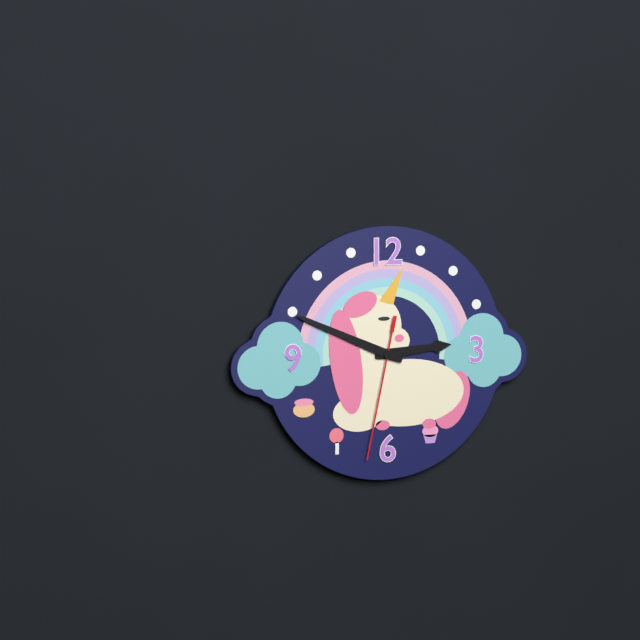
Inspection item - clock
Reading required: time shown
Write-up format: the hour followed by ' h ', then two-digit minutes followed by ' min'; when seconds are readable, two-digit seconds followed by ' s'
2 h 49 min 32 s
